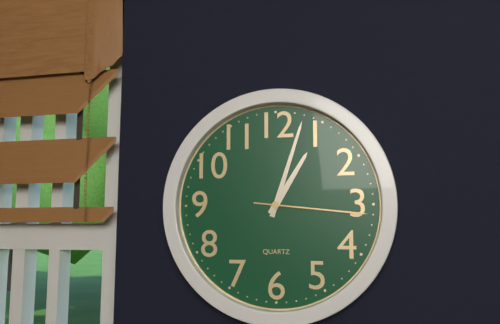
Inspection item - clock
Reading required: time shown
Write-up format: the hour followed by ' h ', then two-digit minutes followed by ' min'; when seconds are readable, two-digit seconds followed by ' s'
1 h 03 min 16 s
